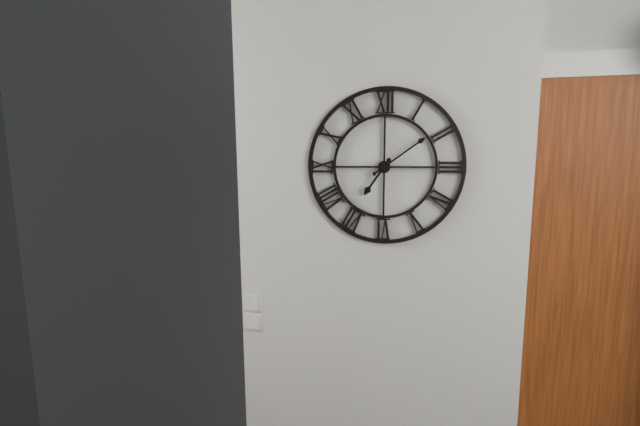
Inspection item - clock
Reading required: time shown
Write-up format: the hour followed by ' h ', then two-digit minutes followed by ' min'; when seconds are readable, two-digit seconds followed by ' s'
7 h 09 min
